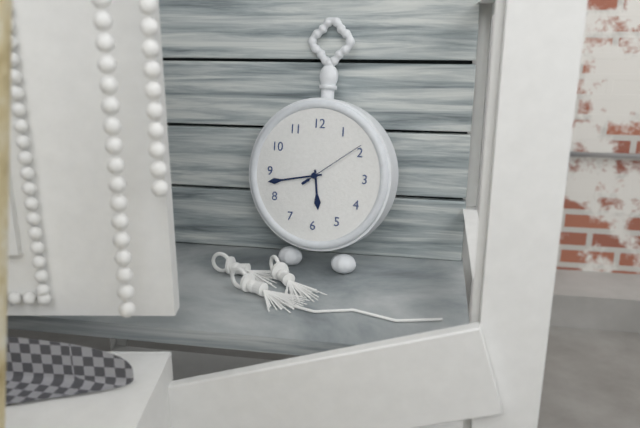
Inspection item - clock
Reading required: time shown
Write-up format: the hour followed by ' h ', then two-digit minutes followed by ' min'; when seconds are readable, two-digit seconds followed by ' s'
5 h 43 min 09 s
